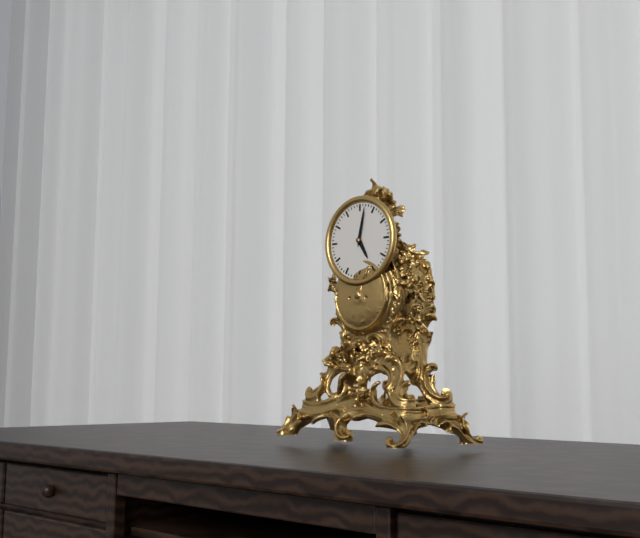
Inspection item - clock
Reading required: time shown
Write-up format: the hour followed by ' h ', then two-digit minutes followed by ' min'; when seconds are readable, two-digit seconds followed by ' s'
5 h 02 min
